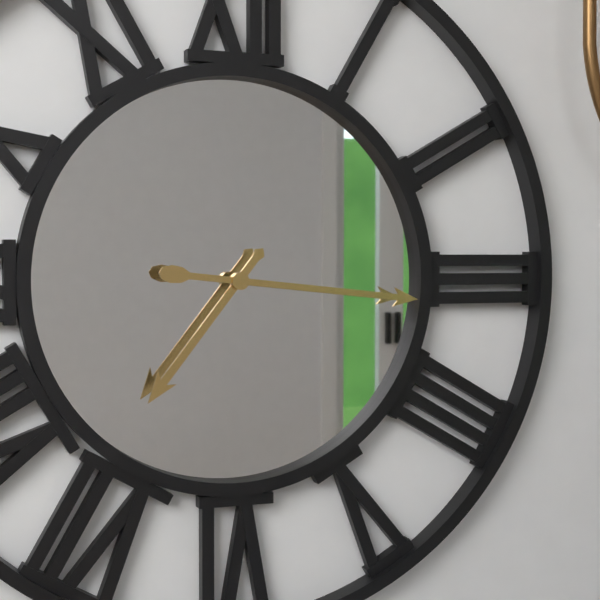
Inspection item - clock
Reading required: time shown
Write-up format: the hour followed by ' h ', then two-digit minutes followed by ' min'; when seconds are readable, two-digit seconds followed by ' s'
7 h 16 min
